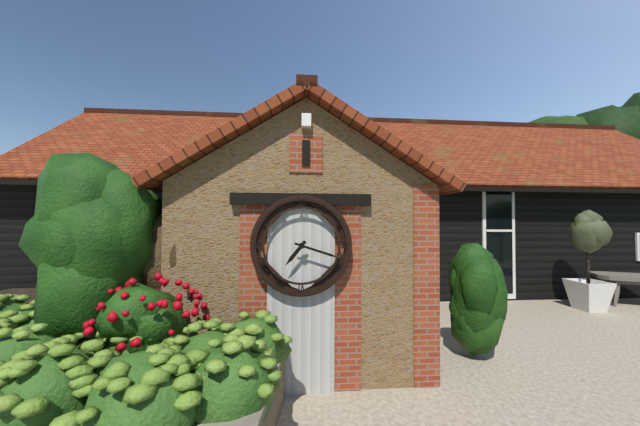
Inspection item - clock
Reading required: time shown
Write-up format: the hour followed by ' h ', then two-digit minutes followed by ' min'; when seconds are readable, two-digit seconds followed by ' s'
7 h 18 min
